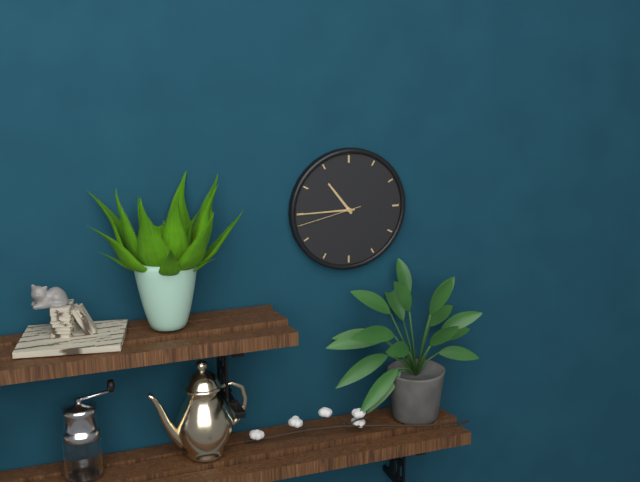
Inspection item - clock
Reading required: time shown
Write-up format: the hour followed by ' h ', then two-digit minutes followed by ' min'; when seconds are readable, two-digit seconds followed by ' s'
10 h 45 min 43 s
